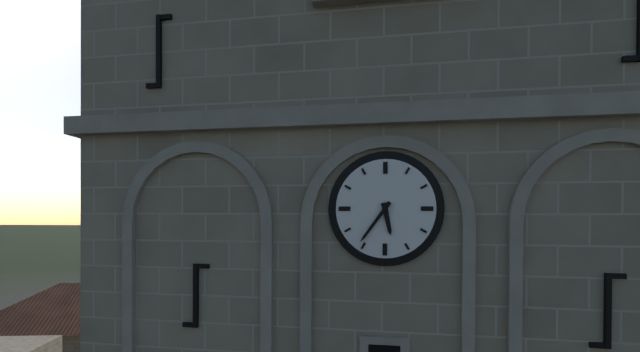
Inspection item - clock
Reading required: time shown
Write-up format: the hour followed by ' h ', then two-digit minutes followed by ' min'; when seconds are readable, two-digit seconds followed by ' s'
5 h 36 min
